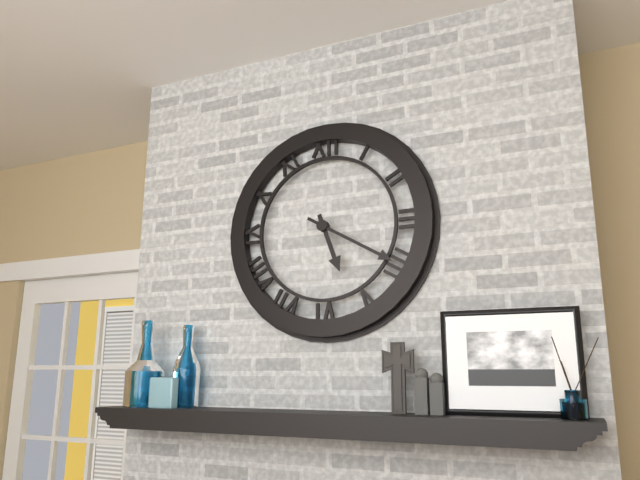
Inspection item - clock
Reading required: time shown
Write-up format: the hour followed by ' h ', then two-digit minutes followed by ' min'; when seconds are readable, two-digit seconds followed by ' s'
5 h 20 min
